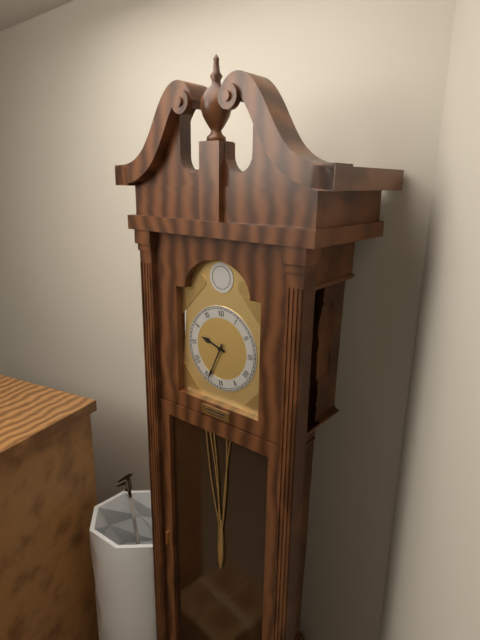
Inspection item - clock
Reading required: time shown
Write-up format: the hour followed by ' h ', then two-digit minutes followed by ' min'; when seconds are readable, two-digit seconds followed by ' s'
9 h 34 min
